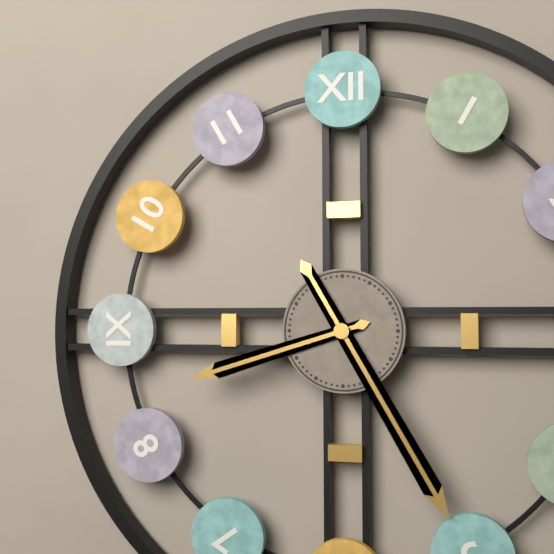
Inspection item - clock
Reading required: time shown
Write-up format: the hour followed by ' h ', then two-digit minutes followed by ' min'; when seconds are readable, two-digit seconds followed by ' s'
8 h 25 min
